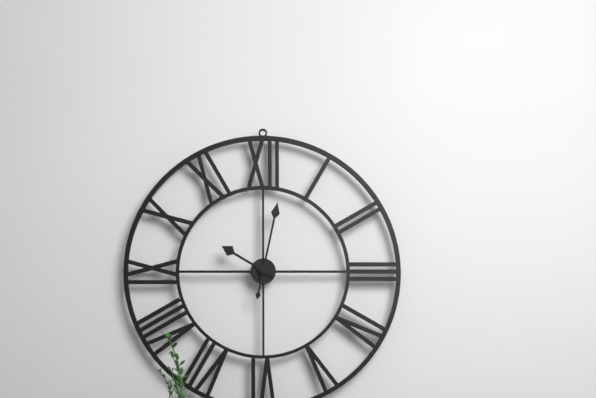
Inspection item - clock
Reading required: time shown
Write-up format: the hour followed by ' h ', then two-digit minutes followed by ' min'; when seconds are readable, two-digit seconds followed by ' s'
10 h 02 min
